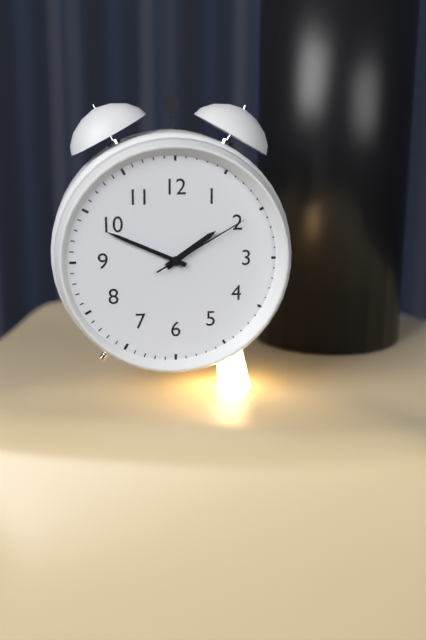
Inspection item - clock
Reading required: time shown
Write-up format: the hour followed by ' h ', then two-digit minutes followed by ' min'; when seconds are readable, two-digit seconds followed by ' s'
1 h 49 min 10 s
